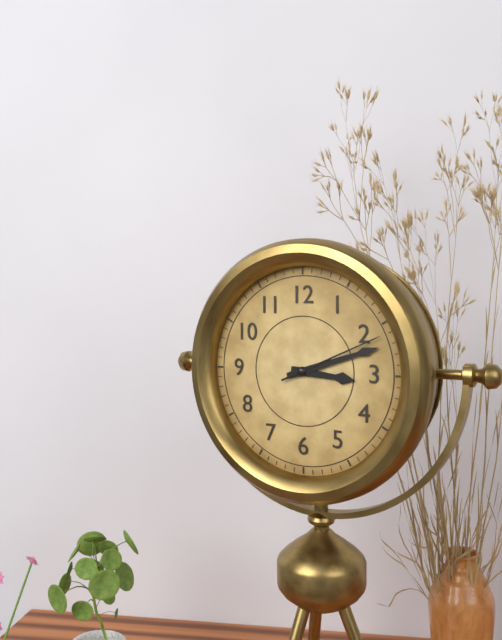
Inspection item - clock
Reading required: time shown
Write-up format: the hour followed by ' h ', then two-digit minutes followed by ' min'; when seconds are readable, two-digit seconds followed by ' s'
3 h 12 min 11 s
